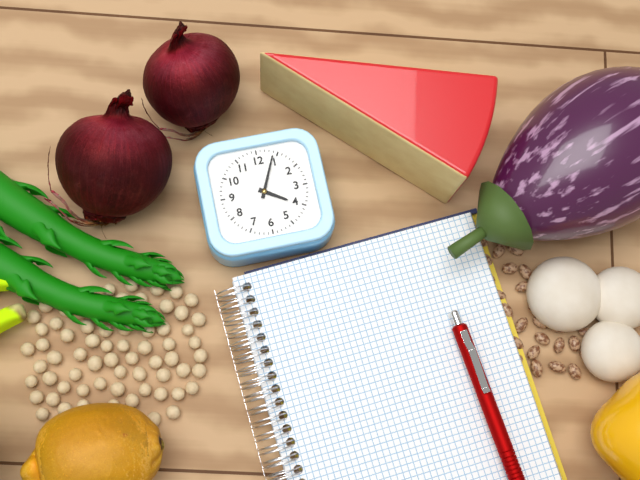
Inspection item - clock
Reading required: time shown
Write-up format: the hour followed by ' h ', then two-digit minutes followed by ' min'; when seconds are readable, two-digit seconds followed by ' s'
4 h 04 min
